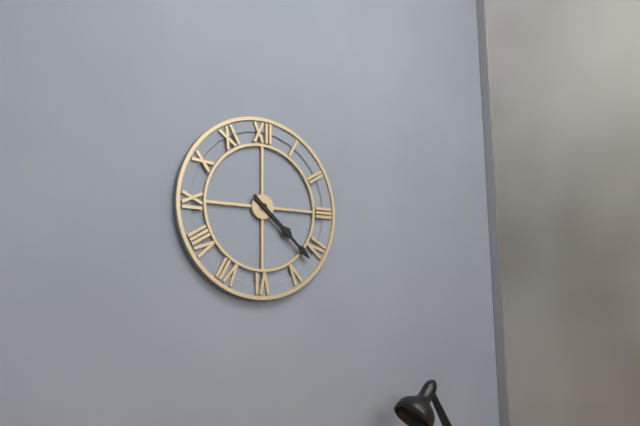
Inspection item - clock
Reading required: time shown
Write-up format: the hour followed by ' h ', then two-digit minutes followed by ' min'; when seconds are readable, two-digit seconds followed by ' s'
4 h 22 min
